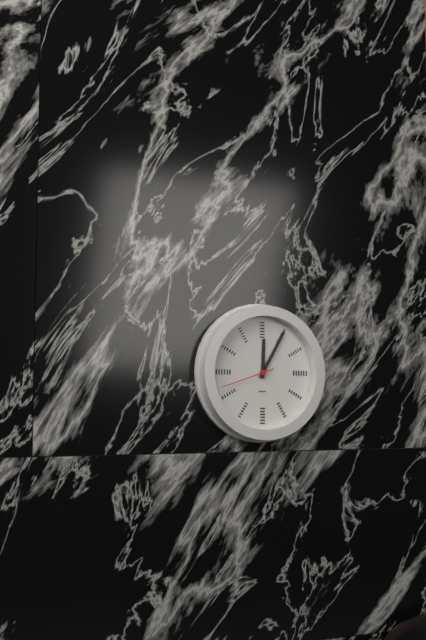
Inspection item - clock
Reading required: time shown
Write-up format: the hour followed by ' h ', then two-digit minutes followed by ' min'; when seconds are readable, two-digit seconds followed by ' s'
12 h 05 min 42 s
